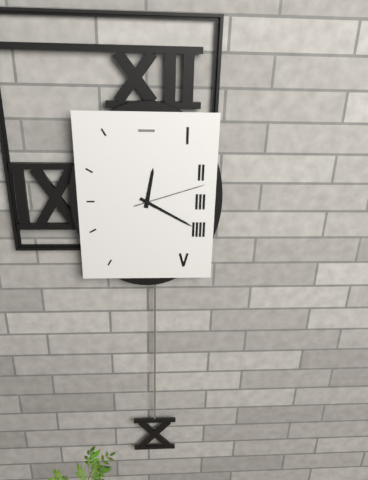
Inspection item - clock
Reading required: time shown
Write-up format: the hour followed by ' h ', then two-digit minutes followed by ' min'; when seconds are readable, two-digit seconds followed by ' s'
12 h 20 min 12 s
